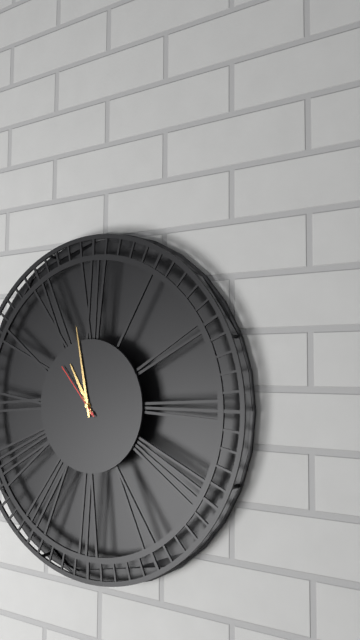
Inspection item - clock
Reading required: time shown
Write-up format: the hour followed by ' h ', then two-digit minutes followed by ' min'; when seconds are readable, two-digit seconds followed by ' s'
10 h 58 min 53 s
